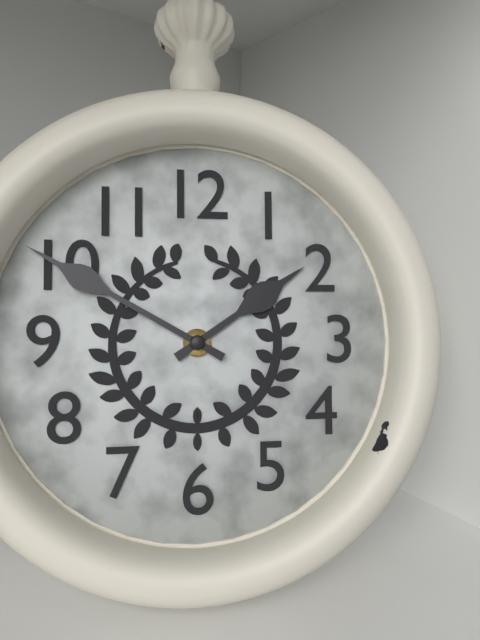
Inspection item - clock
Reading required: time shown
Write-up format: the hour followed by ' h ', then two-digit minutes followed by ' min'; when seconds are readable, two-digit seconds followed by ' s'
1 h 50 min
